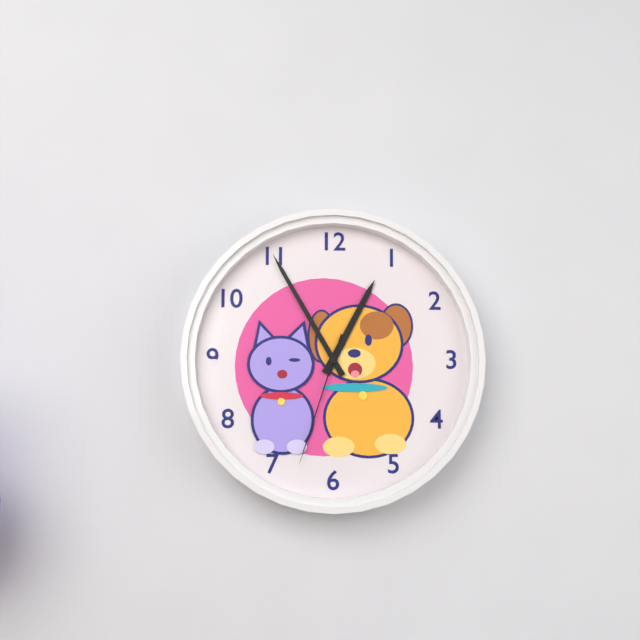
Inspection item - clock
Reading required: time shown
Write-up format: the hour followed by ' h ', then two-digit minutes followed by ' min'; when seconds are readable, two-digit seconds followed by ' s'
12 h 55 min 33 s
